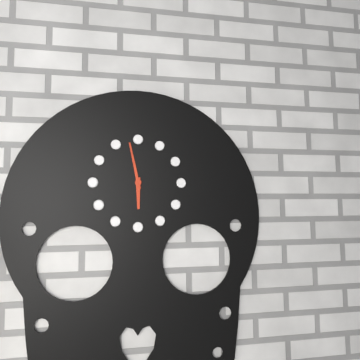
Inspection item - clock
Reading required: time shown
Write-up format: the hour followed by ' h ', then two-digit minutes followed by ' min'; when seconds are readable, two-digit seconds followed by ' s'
5 h 58 min
